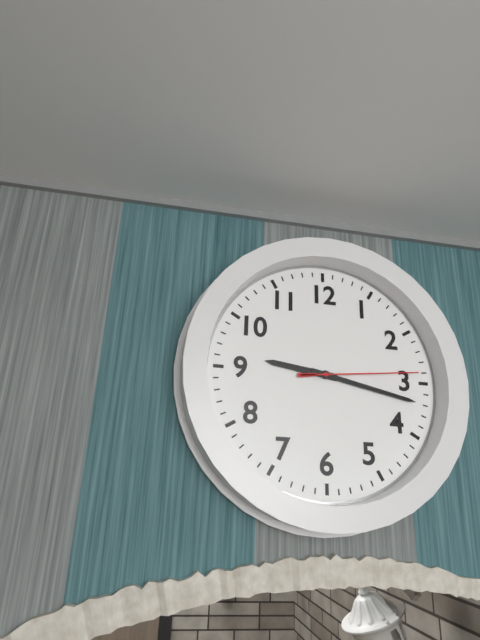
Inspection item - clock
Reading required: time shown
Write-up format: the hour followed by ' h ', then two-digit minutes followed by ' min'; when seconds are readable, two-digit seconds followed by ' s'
9 h 17 min 14 s
